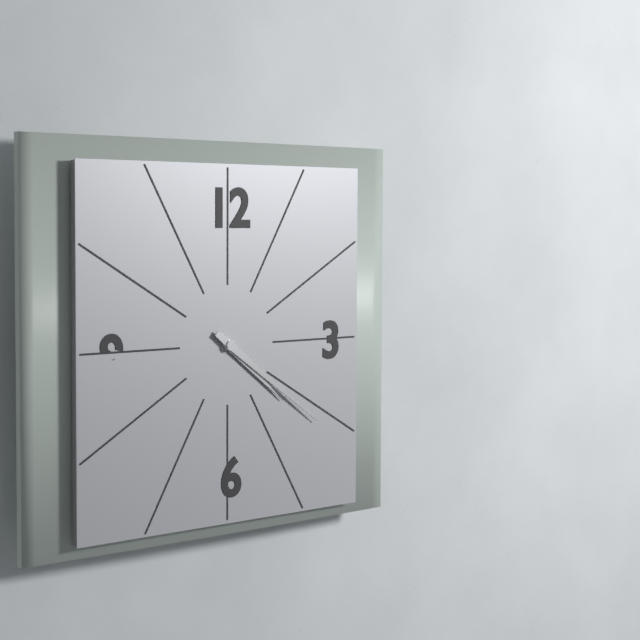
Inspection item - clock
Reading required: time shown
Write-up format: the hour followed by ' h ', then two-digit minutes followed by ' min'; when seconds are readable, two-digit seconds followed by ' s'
4 h 21 min
